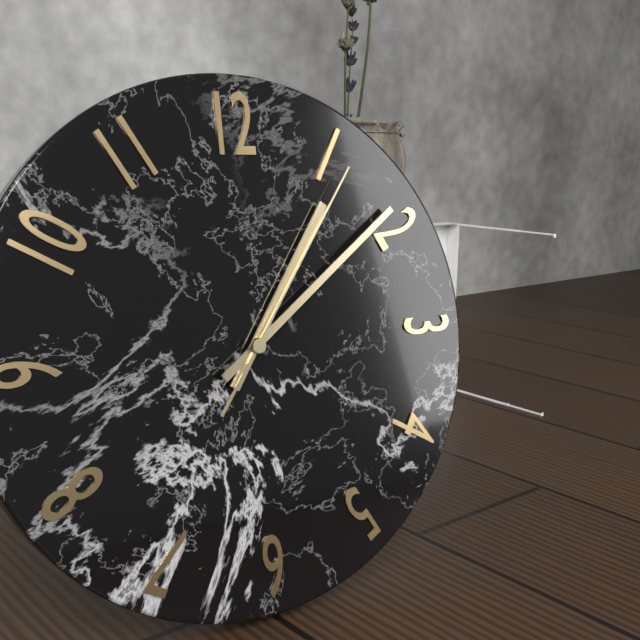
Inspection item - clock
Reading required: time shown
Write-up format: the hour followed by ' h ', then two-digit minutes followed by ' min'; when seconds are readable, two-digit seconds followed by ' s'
1 h 09 min 06 s
